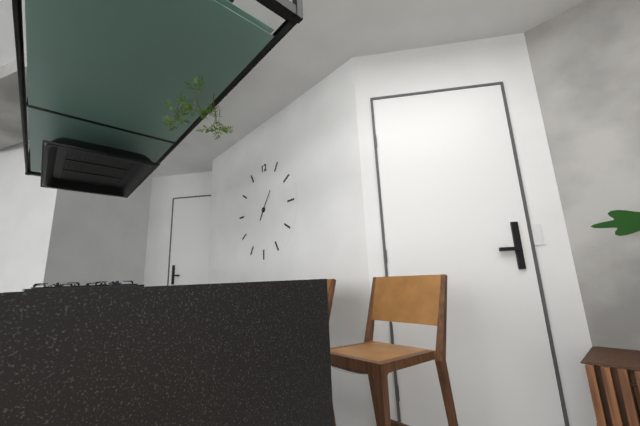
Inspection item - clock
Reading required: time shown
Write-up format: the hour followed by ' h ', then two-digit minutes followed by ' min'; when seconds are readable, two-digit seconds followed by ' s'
7 h 06 min
